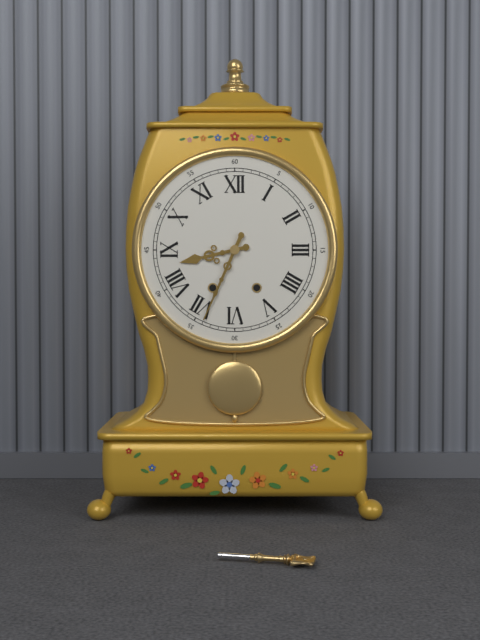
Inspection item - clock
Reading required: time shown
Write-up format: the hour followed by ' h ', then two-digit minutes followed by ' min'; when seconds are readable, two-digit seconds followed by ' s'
8 h 34 min
